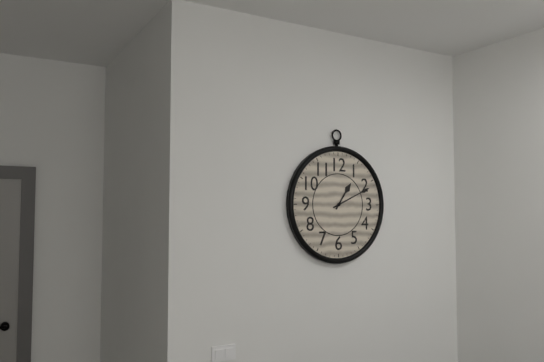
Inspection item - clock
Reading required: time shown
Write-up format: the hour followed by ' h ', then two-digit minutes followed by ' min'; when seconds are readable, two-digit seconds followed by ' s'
1 h 11 min
